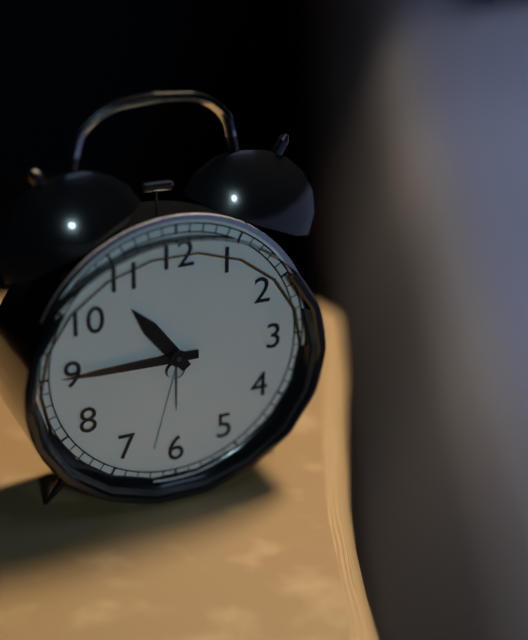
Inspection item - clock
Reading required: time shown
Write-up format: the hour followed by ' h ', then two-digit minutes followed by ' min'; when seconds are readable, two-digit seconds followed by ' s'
10 h 45 min
